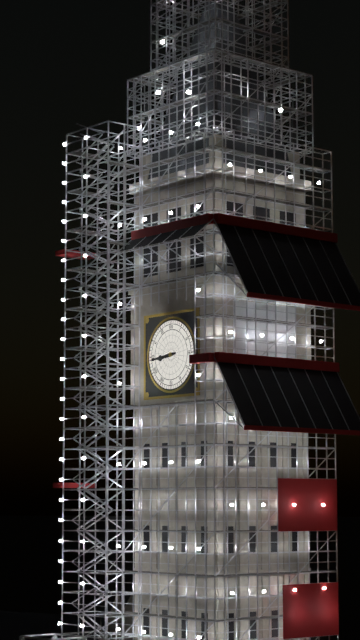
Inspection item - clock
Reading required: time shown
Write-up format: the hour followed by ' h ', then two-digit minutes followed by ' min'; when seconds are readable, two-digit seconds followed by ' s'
8 h 44 min
